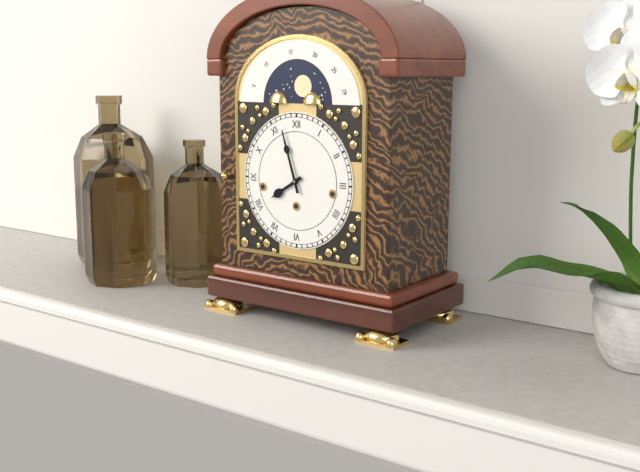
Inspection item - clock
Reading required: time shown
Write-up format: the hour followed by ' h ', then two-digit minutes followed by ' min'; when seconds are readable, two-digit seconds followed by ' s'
7 h 57 min
